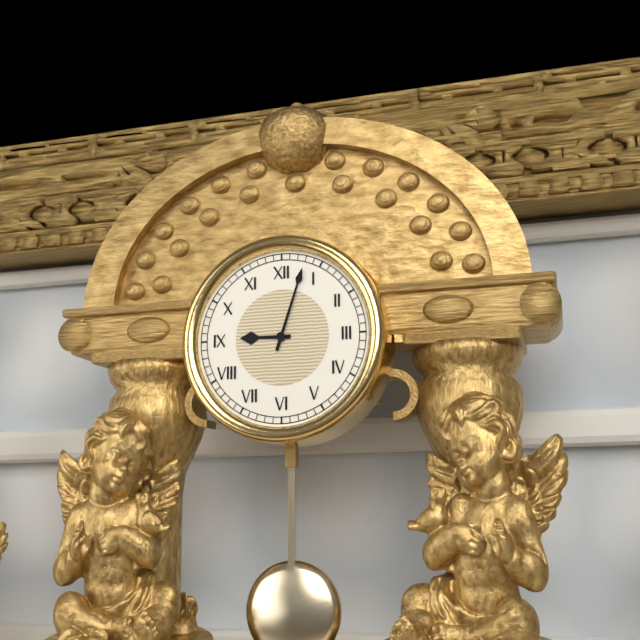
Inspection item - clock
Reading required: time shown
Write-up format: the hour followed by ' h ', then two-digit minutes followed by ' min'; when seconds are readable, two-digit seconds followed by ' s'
9 h 03 min
